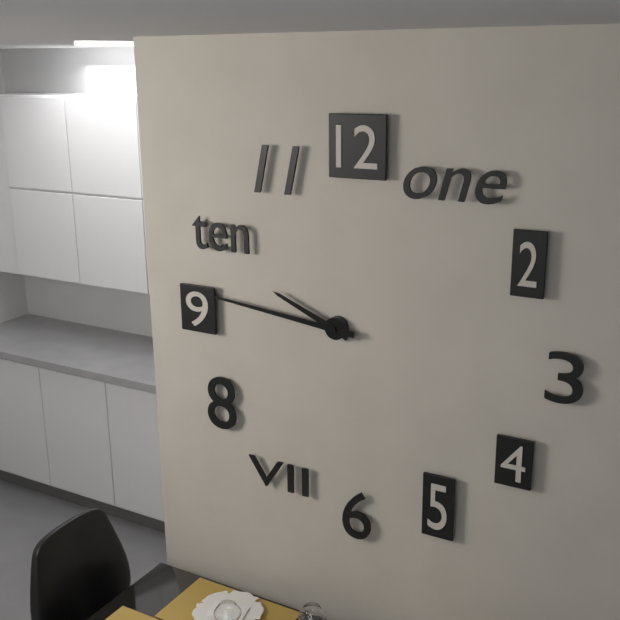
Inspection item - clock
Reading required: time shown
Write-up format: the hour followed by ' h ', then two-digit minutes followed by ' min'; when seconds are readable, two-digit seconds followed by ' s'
9 h 46 min
